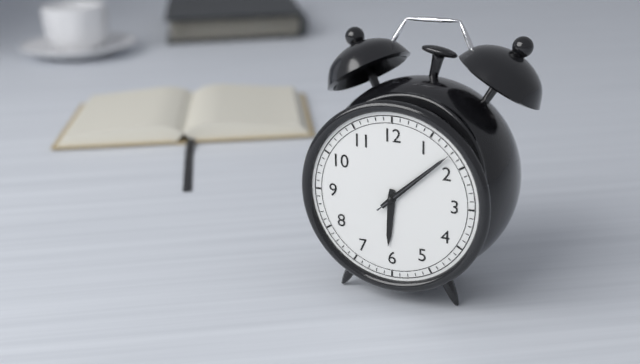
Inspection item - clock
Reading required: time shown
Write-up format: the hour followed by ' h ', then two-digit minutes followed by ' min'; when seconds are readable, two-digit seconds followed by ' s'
6 h 08 min 08 s
